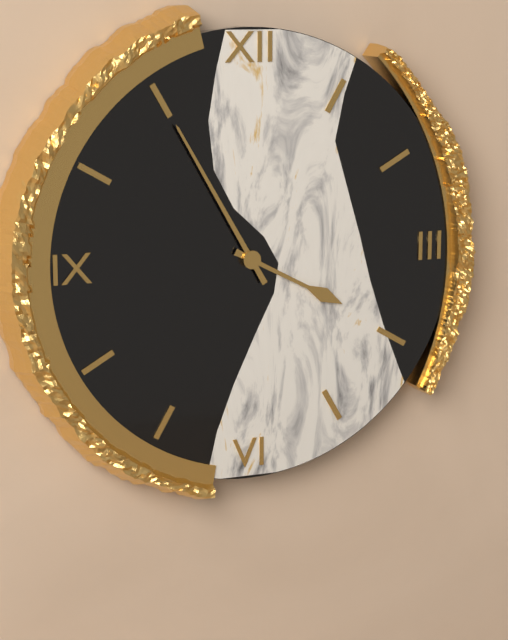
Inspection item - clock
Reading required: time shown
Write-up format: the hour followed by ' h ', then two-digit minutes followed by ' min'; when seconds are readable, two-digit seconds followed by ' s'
3 h 55 min
